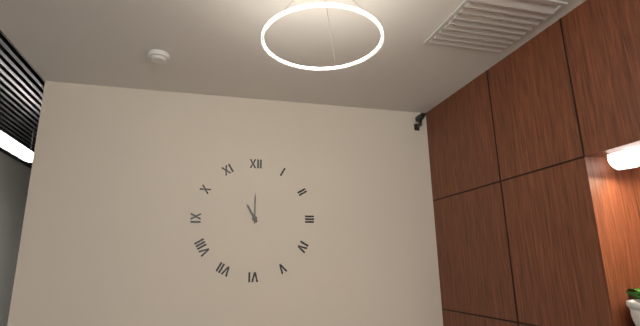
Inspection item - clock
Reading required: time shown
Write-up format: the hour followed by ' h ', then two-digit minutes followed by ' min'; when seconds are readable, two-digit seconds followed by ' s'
11 h 00 min
